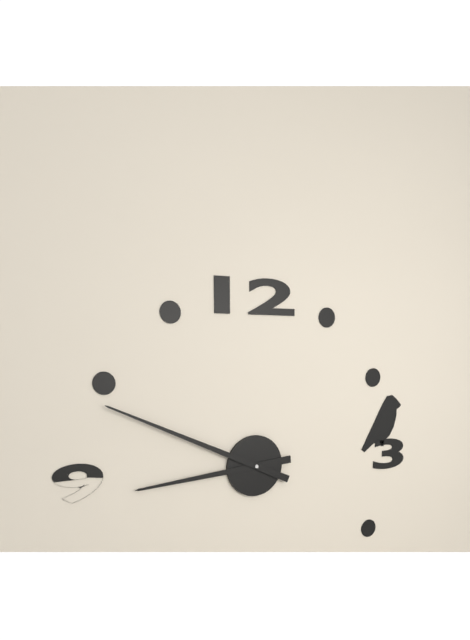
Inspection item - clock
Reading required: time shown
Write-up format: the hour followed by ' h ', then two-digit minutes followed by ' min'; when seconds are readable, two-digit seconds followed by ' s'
8 h 49 min
